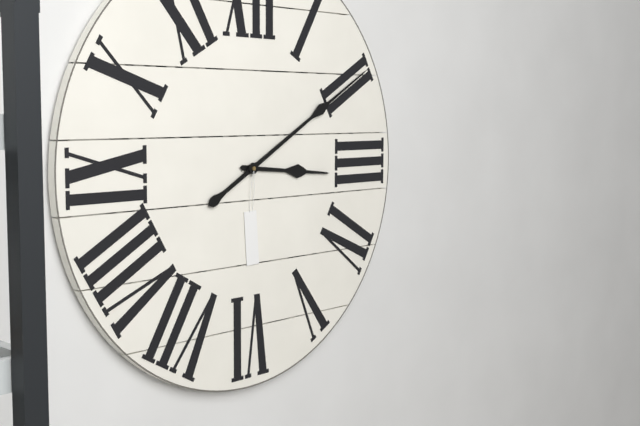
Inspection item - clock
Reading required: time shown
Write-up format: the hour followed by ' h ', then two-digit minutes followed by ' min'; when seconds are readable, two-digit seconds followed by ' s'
3 h 10 min
